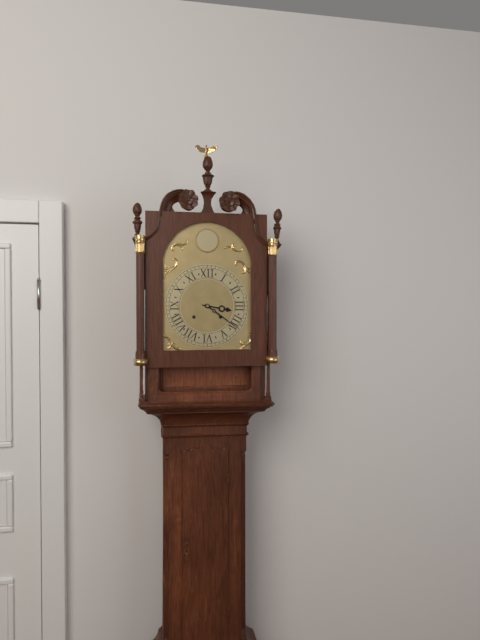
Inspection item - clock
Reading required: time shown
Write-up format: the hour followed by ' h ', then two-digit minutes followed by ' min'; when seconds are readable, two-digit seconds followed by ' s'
3 h 21 min
